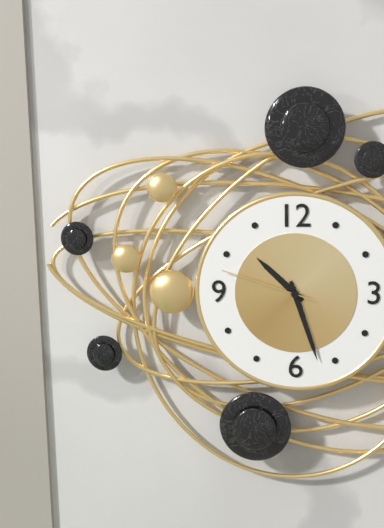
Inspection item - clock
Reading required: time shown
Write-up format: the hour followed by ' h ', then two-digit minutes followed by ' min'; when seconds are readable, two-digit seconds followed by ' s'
10 h 27 min 48 s
